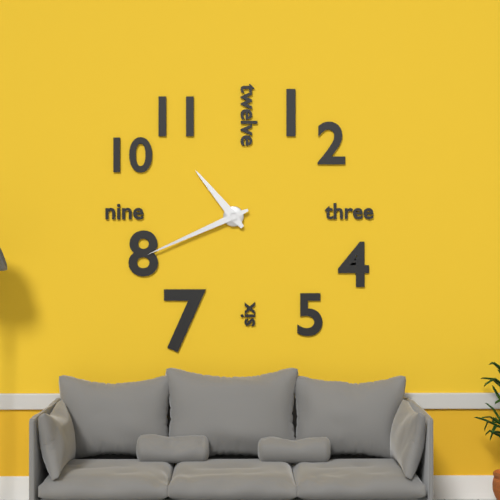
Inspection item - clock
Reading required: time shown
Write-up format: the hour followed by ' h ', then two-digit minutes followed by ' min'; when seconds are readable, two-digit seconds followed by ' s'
10 h 41 min
